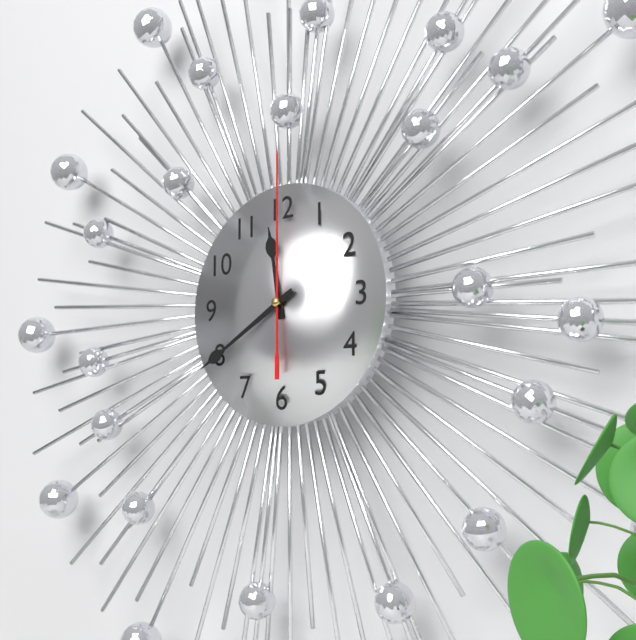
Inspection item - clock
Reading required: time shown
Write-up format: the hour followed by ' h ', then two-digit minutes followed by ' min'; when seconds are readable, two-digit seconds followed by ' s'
11 h 40 min 00 s
